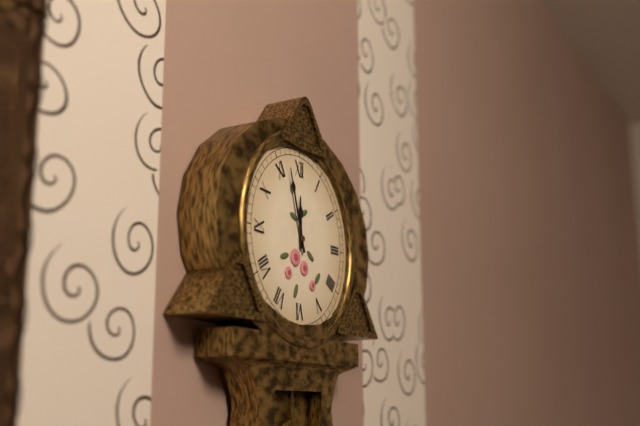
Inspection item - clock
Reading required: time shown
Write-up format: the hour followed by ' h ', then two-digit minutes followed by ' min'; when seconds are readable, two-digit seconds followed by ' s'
11 h 57 min
